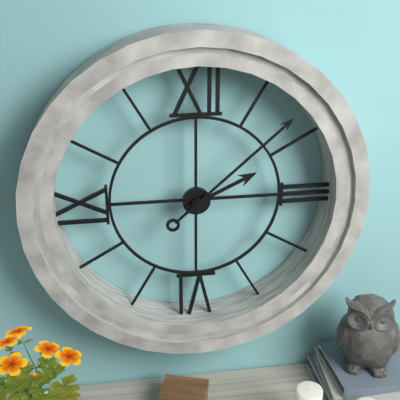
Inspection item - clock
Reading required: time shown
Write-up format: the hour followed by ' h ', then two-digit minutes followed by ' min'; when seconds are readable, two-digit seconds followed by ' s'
2 h 08 min
